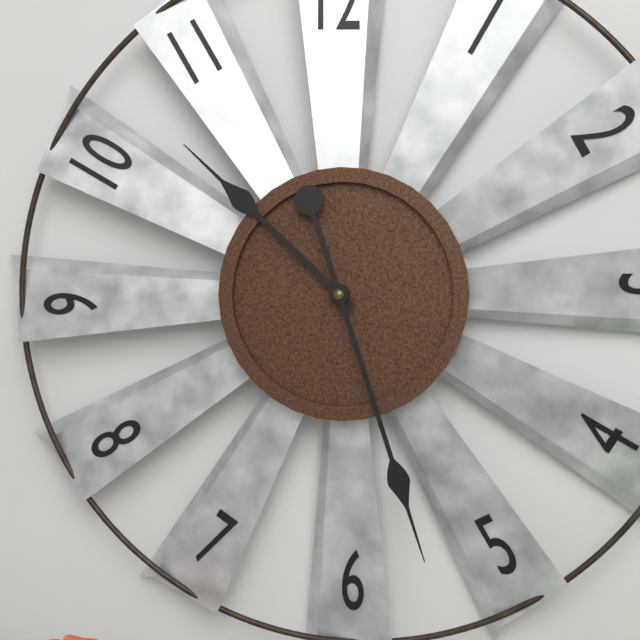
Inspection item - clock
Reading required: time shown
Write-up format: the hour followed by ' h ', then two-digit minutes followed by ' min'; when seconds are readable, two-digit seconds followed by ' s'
10 h 27 min
